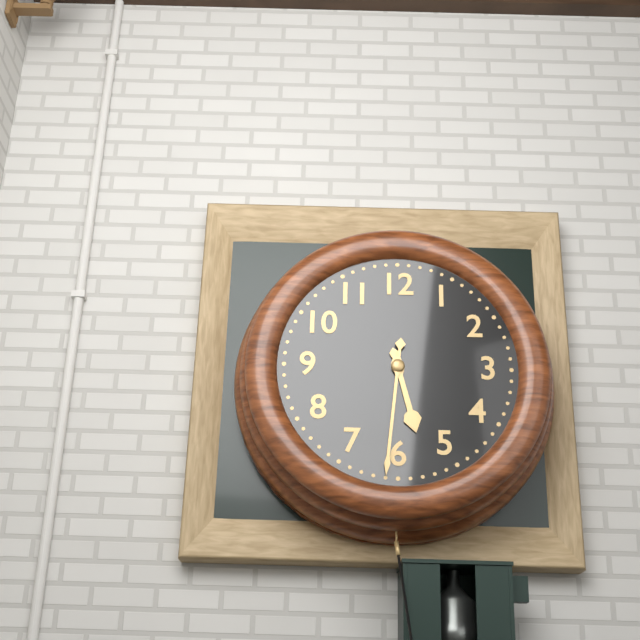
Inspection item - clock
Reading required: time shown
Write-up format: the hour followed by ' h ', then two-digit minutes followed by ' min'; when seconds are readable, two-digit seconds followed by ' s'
5 h 31 min
